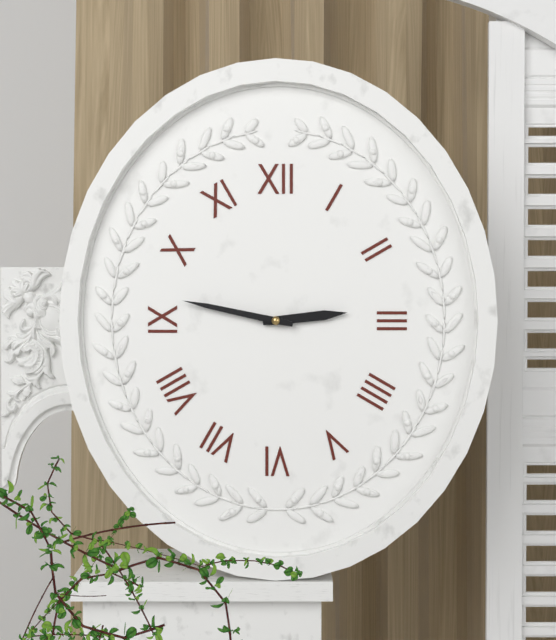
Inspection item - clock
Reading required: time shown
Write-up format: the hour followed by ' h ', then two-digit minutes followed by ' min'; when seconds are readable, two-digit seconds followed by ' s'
2 h 47 min
